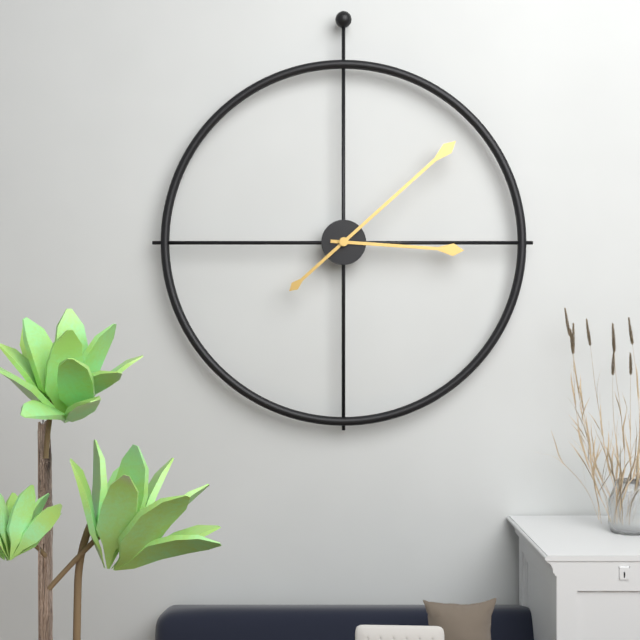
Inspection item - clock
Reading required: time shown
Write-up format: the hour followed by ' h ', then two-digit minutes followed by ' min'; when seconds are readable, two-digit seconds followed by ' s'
3 h 08 min
